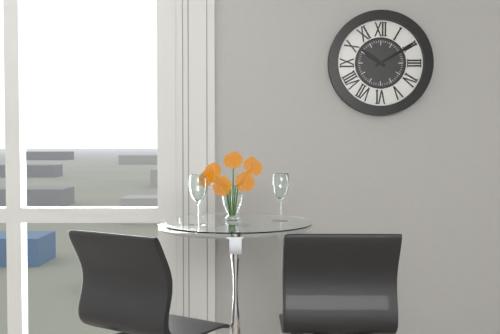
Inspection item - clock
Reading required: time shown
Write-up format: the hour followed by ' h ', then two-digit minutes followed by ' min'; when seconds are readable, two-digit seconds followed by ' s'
10 h 10 min
